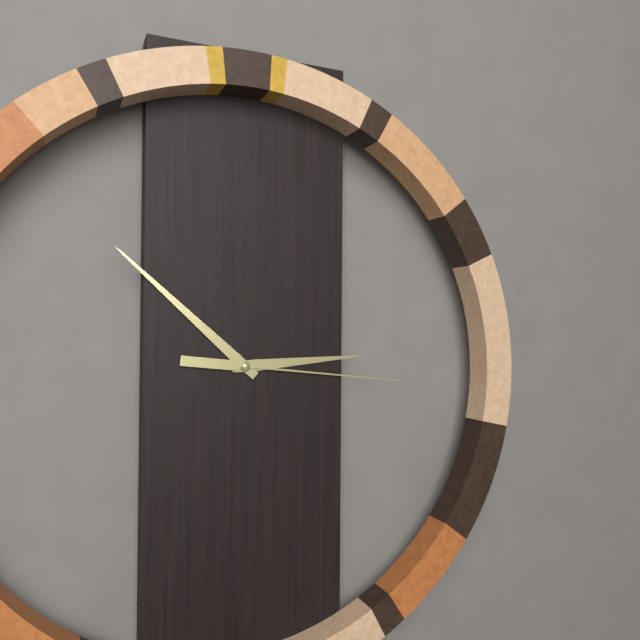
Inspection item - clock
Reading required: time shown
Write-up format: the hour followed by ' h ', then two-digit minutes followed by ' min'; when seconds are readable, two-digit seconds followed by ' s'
2 h 52 min 16 s
